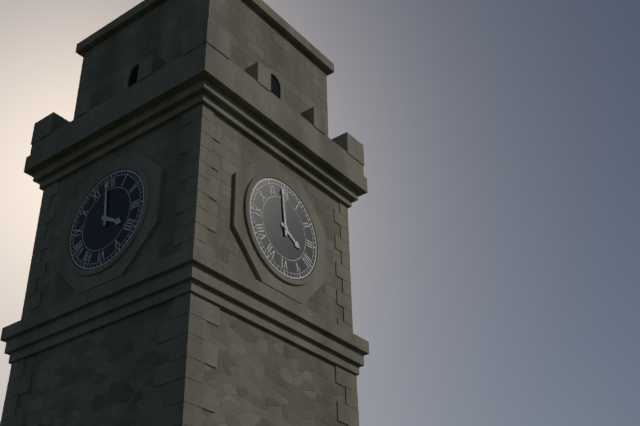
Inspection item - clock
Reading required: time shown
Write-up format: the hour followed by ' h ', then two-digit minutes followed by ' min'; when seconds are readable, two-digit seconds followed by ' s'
3 h 59 min
